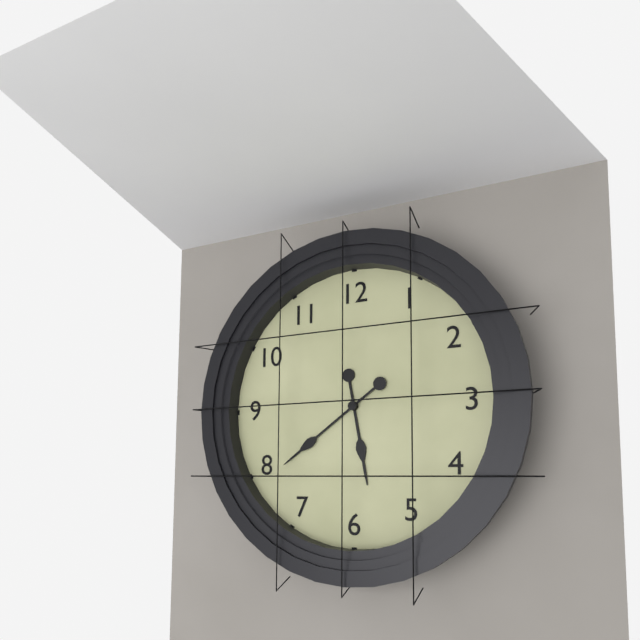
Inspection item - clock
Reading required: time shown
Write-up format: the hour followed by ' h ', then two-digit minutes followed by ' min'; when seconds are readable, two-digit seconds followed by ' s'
5 h 39 min
